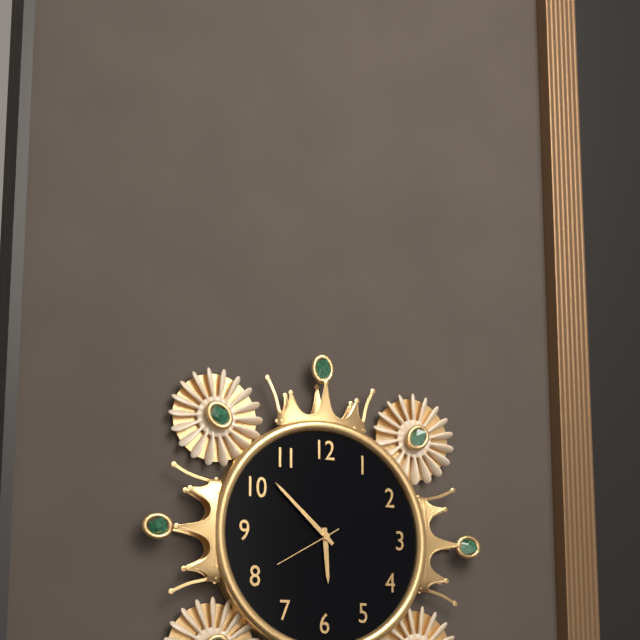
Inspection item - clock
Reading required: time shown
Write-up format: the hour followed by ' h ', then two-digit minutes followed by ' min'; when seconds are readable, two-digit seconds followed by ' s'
5 h 52 min 40 s
